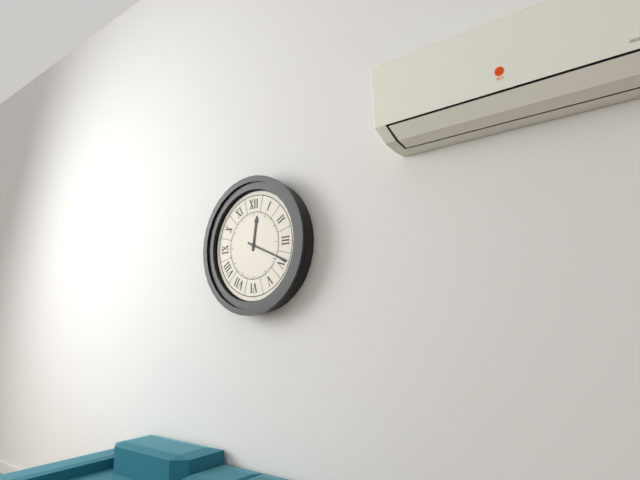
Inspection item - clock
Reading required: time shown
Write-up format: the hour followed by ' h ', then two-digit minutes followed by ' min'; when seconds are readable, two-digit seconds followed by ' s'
12 h 19 min
